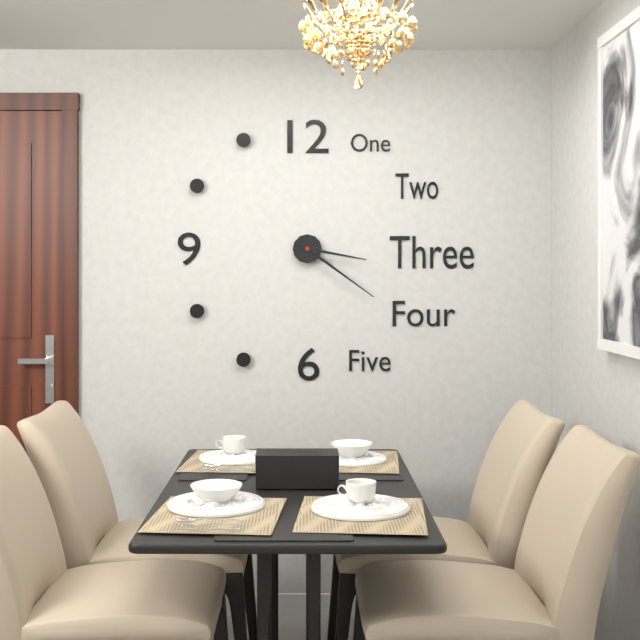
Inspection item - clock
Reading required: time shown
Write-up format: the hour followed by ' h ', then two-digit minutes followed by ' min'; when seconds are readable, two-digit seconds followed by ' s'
3 h 21 min
